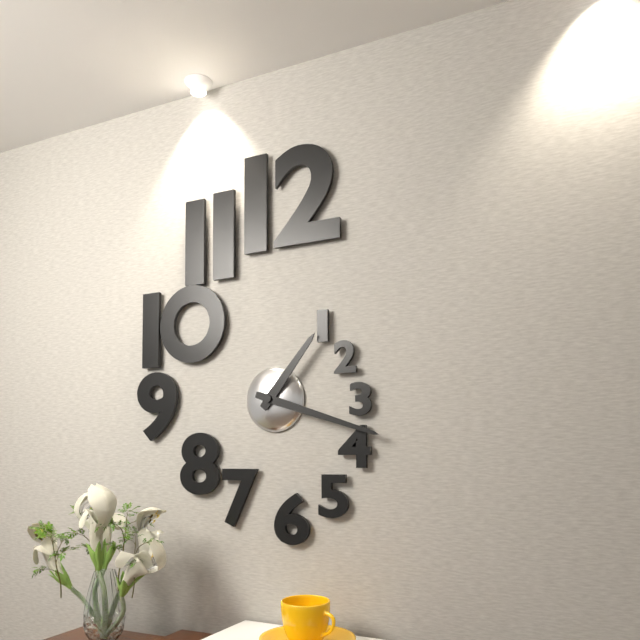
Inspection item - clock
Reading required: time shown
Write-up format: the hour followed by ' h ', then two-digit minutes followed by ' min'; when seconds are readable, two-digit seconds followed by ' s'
1 h 18 min
